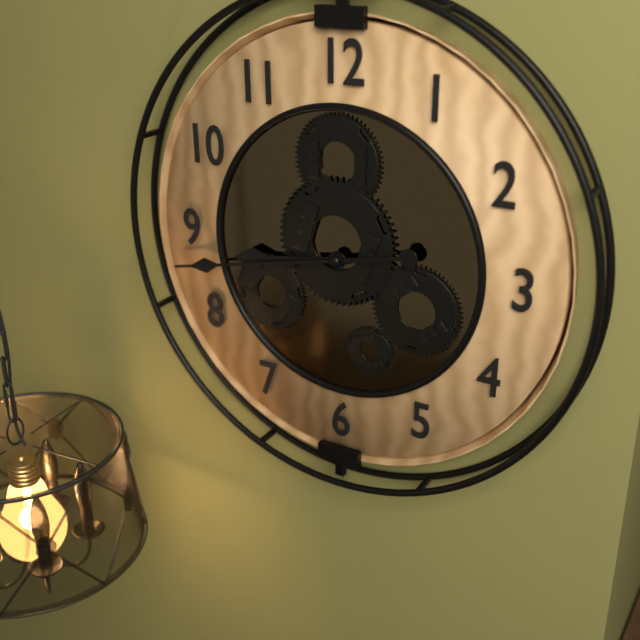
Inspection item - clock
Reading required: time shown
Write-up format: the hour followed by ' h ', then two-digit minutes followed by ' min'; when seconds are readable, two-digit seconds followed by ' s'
8 h 43 min
